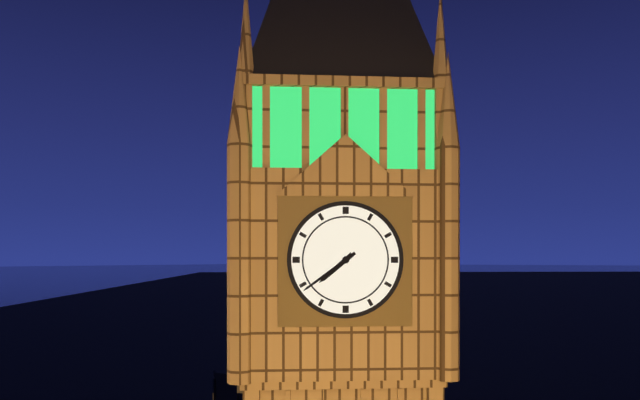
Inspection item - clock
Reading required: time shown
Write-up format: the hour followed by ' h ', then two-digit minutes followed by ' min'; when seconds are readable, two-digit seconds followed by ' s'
7 h 39 min
